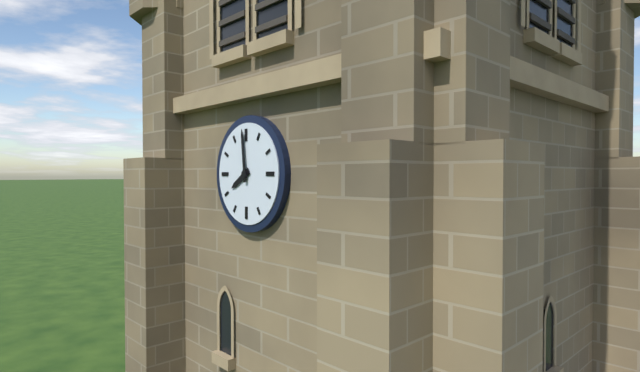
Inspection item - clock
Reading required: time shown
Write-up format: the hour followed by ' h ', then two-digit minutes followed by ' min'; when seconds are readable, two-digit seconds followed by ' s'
7 h 59 min
